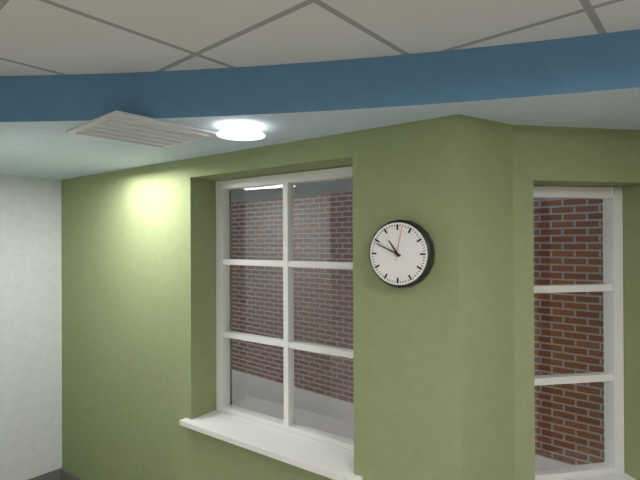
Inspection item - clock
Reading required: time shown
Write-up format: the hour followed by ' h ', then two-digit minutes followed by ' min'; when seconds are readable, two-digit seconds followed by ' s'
10 h 49 min
